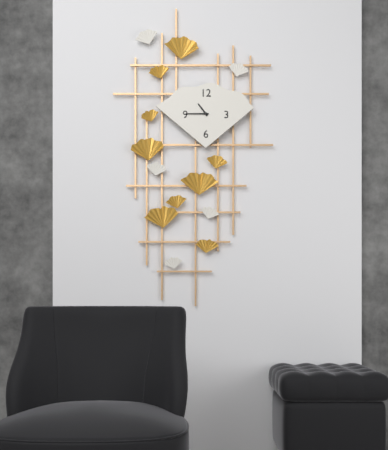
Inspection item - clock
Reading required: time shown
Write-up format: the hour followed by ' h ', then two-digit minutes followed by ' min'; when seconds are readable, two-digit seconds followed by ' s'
10 h 45 min
